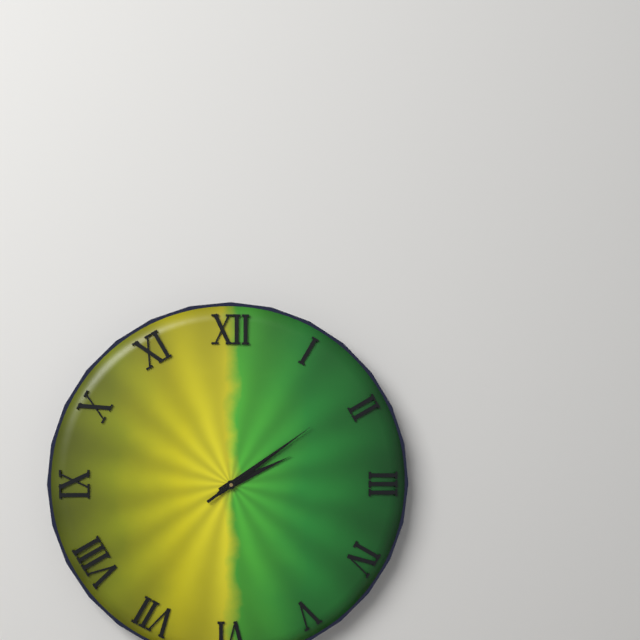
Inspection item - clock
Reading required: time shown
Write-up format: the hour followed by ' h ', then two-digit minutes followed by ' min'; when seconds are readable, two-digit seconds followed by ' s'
2 h 09 min 09 s
